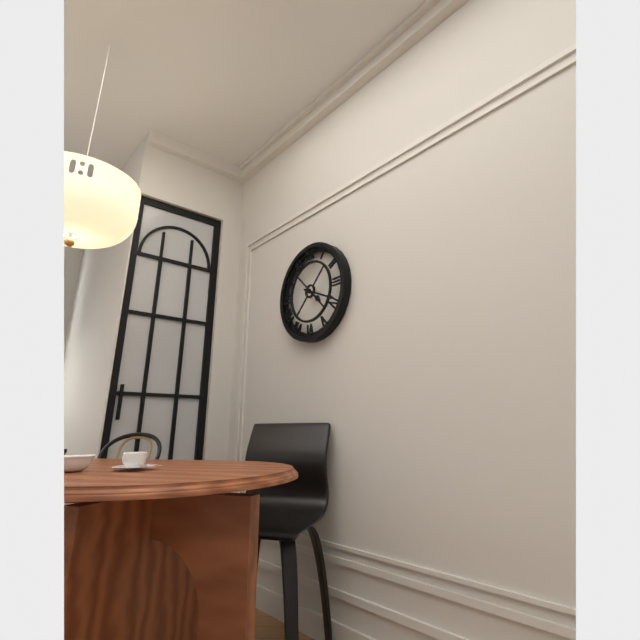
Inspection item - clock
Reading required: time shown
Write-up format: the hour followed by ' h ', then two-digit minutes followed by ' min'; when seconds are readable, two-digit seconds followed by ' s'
4 h 19 min
